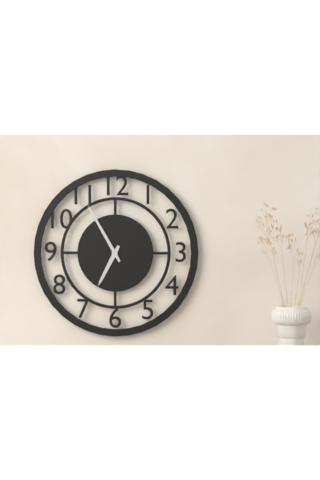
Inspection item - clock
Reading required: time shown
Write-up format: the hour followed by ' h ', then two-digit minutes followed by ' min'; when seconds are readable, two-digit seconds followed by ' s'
6 h 55 min
